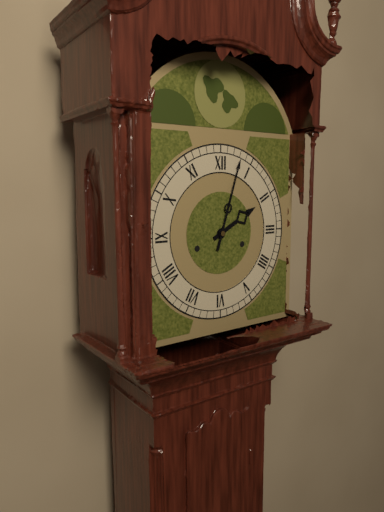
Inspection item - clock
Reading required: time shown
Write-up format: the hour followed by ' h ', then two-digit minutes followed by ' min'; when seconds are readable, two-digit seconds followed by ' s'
2 h 03 min
